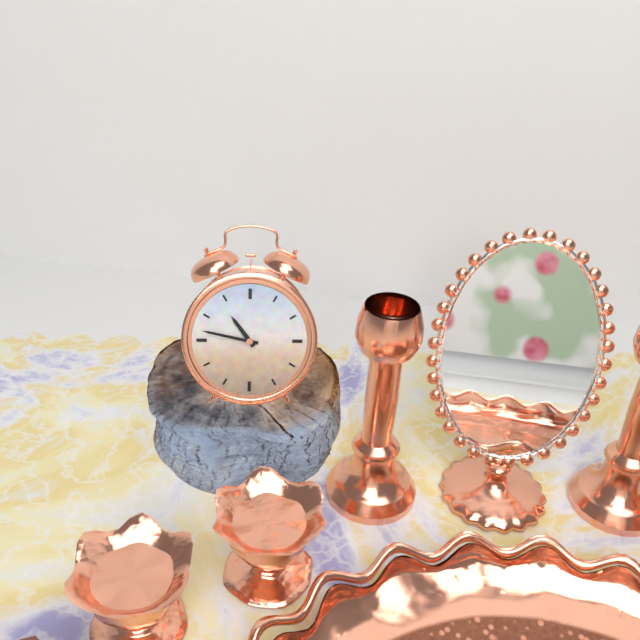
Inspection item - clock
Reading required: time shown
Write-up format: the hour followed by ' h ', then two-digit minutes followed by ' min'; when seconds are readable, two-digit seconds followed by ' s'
10 h 47 min
